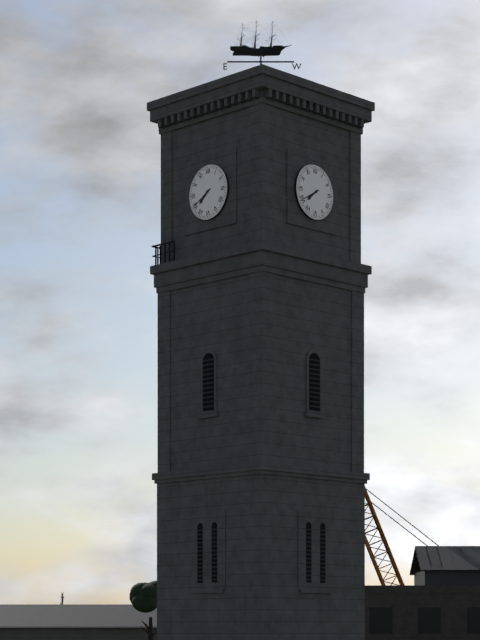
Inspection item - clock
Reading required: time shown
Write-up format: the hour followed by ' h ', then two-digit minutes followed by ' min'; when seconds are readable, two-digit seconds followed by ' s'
7 h 40 min
